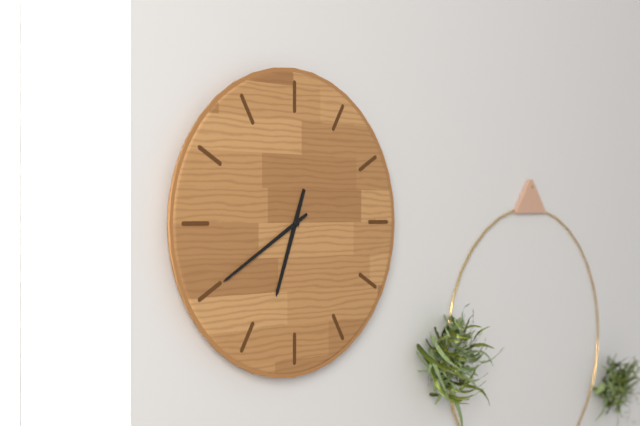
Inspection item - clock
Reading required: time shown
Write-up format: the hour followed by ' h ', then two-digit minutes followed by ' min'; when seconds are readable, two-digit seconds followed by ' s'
6 h 40 min
